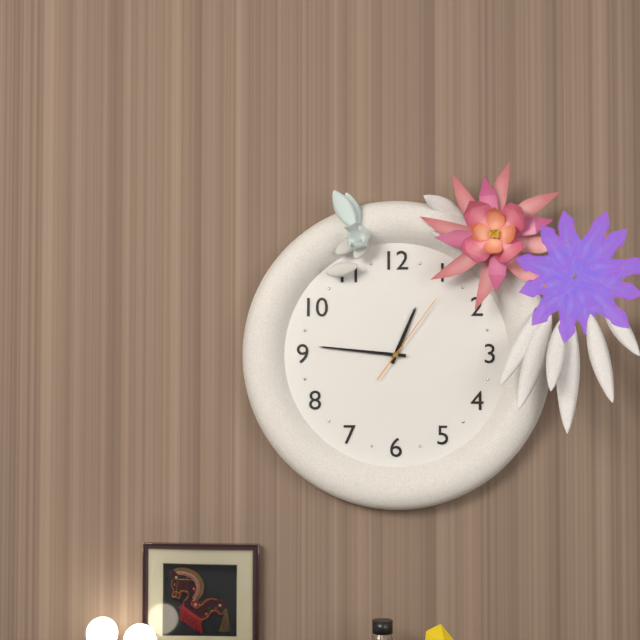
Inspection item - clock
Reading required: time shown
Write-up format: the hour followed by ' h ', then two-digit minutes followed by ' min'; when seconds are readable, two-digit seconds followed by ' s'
12 h 46 min 06 s
